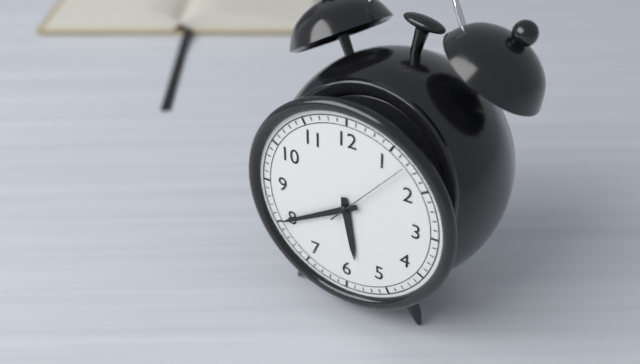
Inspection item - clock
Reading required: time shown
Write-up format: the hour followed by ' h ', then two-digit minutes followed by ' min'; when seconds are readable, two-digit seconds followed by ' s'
5 h 40 min 07 s
